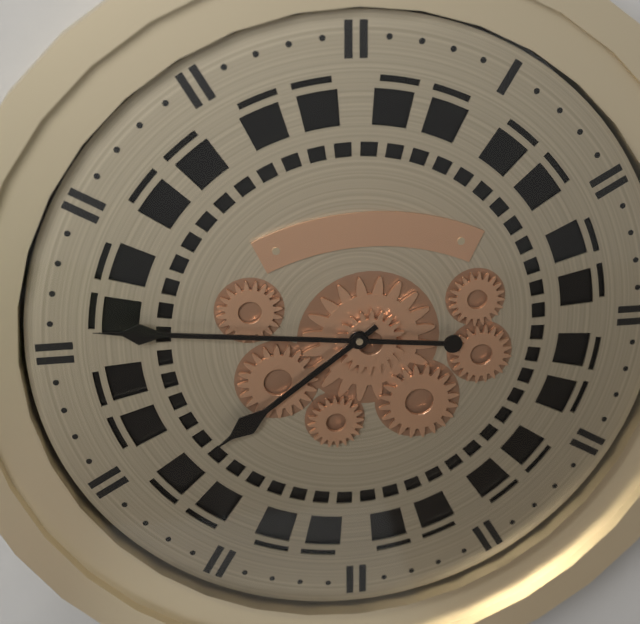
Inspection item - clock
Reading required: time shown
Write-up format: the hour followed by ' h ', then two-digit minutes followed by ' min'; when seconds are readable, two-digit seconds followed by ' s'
7 h 46 min
